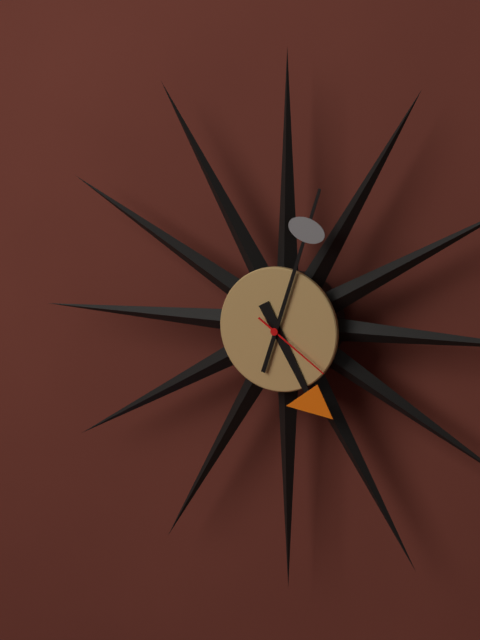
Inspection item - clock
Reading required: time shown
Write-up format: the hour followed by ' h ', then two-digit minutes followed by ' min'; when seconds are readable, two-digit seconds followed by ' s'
5 h 03 min 21 s
